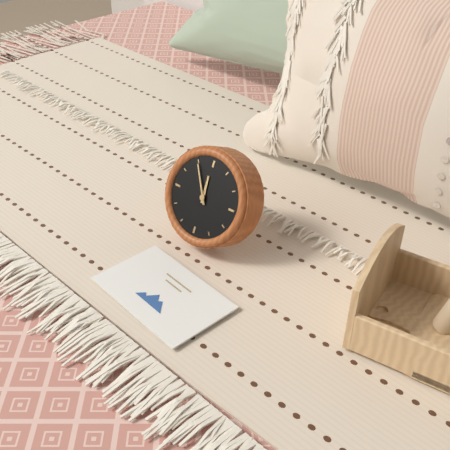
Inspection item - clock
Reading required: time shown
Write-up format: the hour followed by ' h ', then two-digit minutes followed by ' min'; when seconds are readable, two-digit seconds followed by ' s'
11 h 55 min
